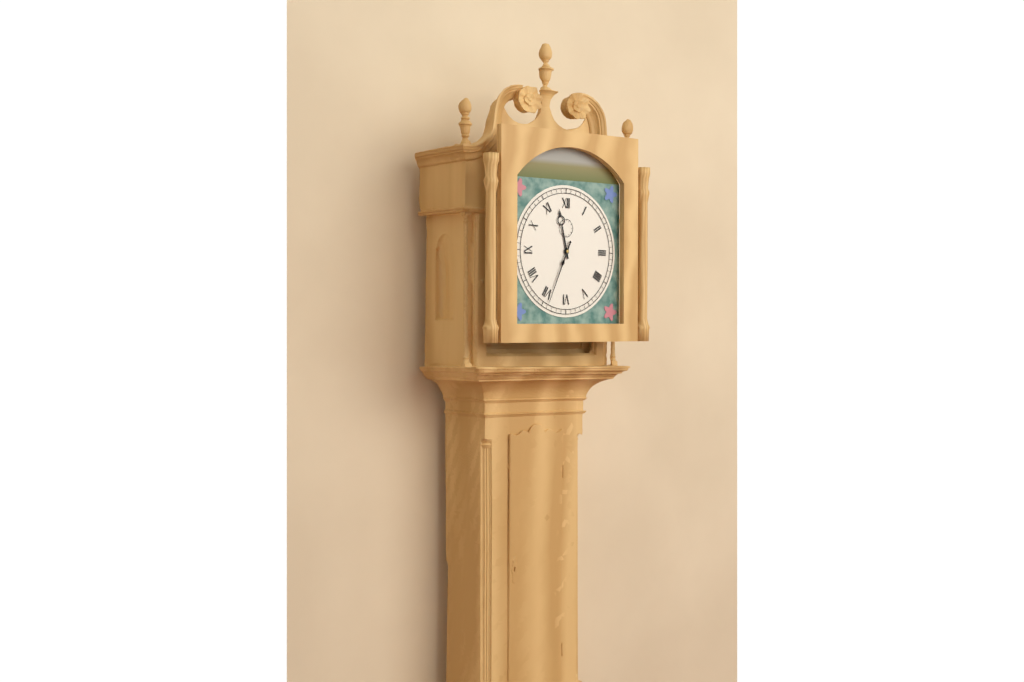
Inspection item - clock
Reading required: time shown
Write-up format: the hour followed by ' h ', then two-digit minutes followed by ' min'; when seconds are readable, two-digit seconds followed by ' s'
11 h 34 min
